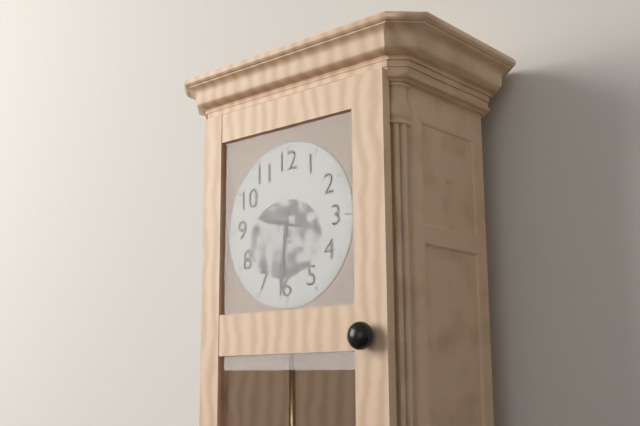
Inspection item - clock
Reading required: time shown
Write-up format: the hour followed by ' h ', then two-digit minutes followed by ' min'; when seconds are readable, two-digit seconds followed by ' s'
9 h 31 min
